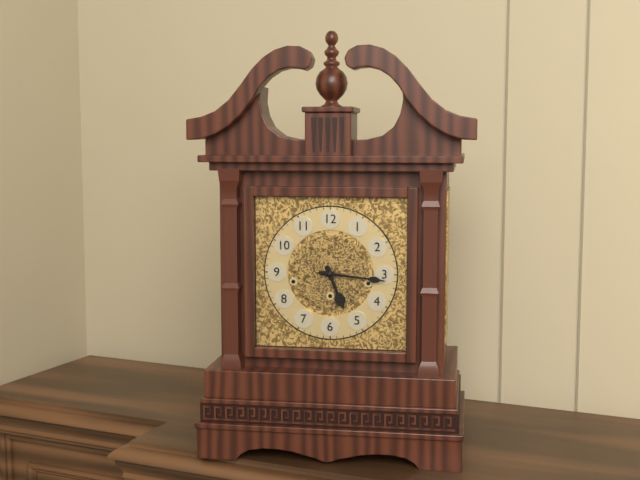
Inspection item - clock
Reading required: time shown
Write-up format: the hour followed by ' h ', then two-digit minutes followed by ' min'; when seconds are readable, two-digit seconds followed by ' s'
5 h 16 min
